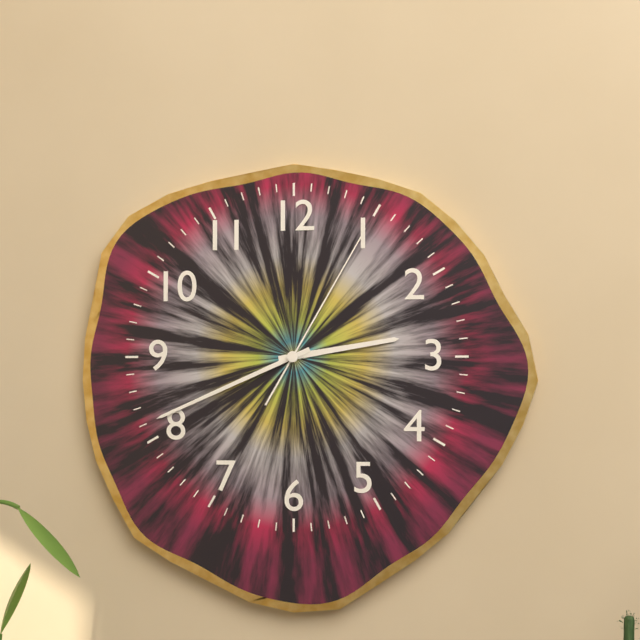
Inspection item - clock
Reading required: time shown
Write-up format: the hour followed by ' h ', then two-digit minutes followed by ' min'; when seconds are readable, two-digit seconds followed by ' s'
2 h 41 min 05 s
